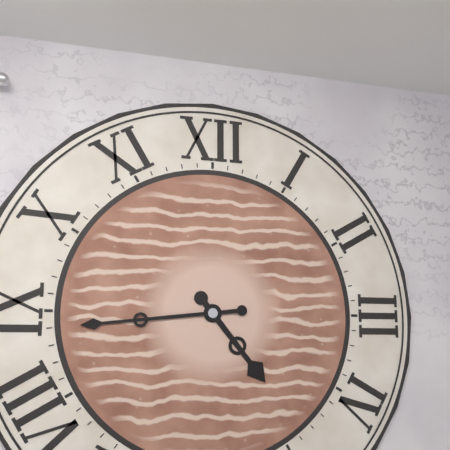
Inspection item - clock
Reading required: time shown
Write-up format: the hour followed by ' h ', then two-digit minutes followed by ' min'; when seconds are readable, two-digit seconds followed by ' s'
4 h 44 min
